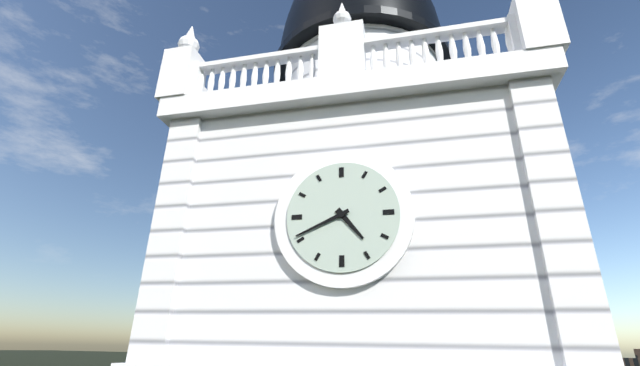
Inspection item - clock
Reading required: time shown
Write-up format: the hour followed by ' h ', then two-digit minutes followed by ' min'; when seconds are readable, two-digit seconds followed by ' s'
4 h 41 min
